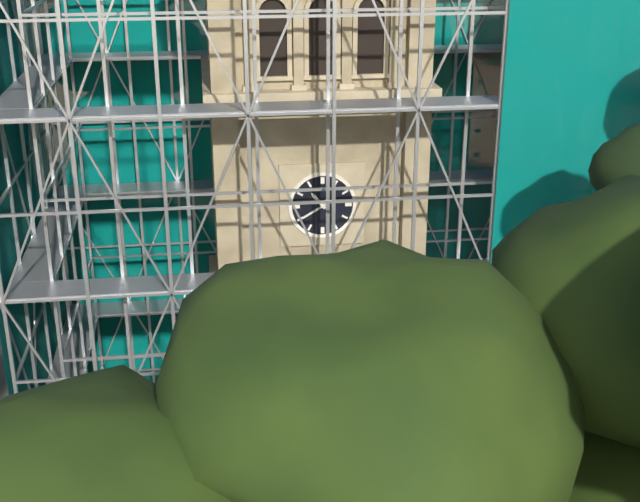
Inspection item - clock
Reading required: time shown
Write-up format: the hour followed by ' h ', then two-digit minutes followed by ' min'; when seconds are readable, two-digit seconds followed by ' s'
10 h 40 min
